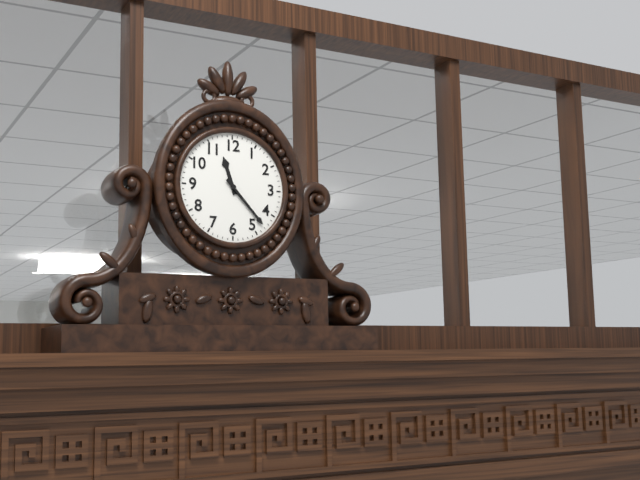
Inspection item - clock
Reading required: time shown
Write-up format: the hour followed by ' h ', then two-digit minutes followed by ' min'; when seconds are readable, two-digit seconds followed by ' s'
11 h 23 min
